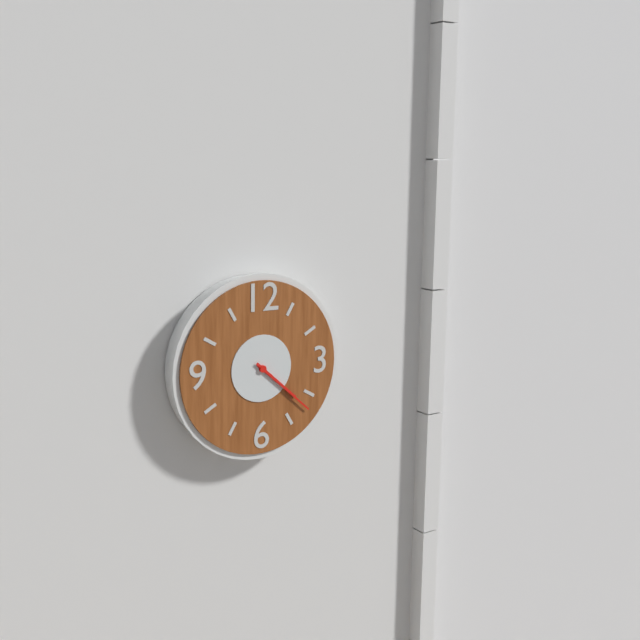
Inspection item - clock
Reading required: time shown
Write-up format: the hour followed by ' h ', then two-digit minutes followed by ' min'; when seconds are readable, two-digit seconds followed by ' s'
4 h 22 min
